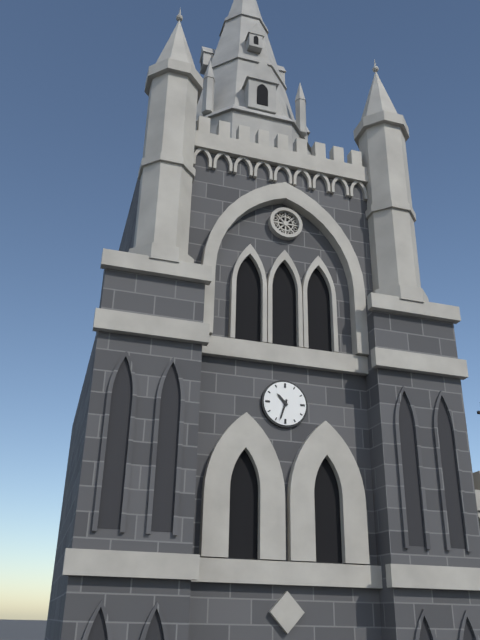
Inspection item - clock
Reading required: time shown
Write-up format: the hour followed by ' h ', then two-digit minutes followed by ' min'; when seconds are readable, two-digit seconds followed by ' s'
10 h 33 min
